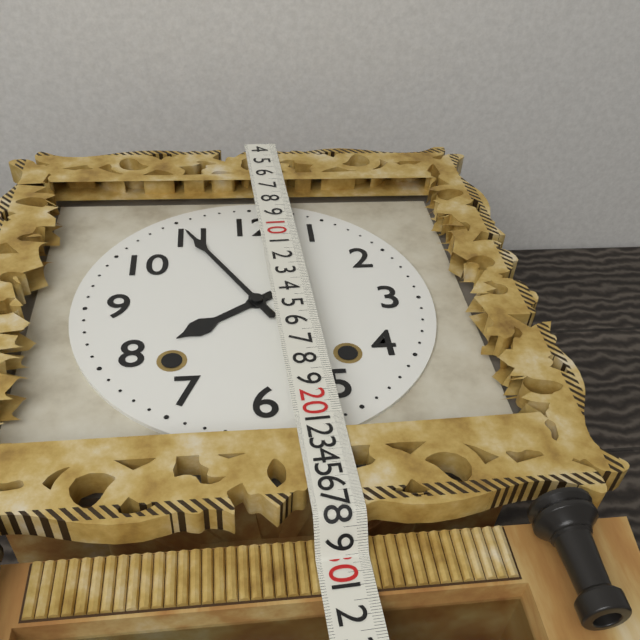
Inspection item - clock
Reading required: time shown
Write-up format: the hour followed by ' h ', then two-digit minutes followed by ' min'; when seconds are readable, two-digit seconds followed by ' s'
7 h 55 min
